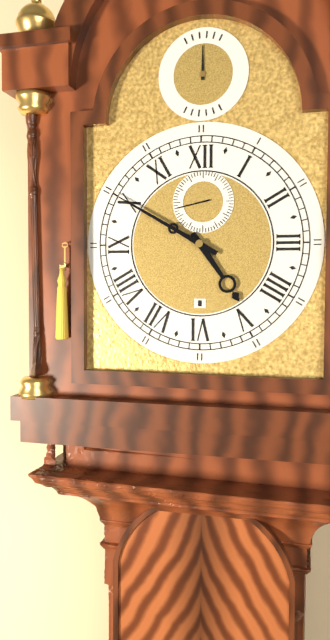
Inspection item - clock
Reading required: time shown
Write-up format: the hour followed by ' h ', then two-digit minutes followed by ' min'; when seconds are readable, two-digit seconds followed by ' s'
4 h 50 min
